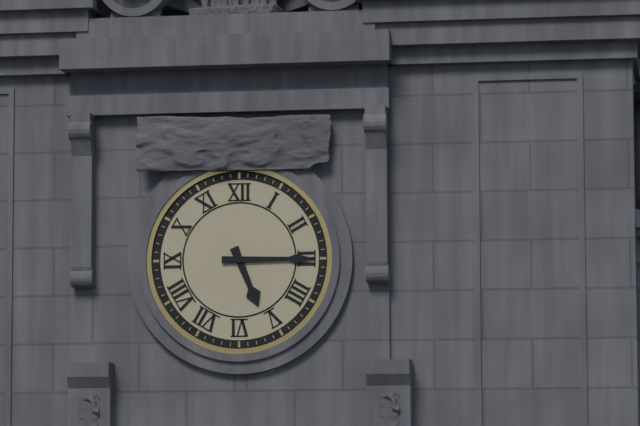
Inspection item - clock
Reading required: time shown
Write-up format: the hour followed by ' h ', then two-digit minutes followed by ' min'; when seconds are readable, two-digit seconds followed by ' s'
5 h 15 min
